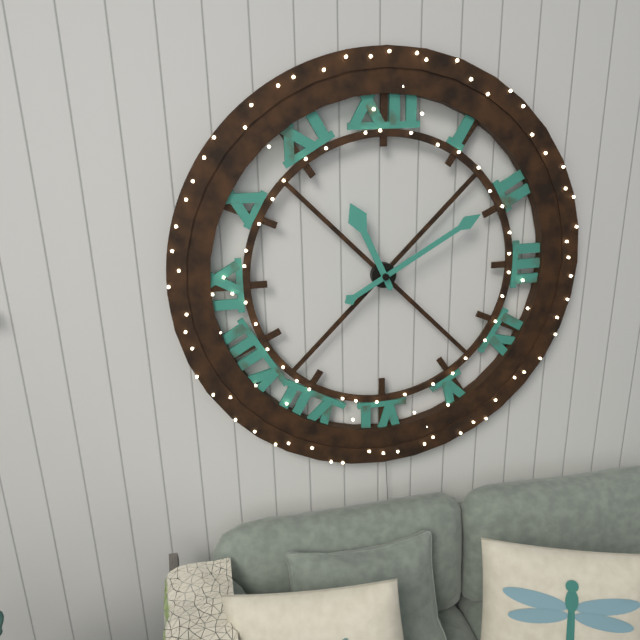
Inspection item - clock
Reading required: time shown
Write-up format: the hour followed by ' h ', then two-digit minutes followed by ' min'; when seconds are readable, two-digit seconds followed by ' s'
11 h 10 min
